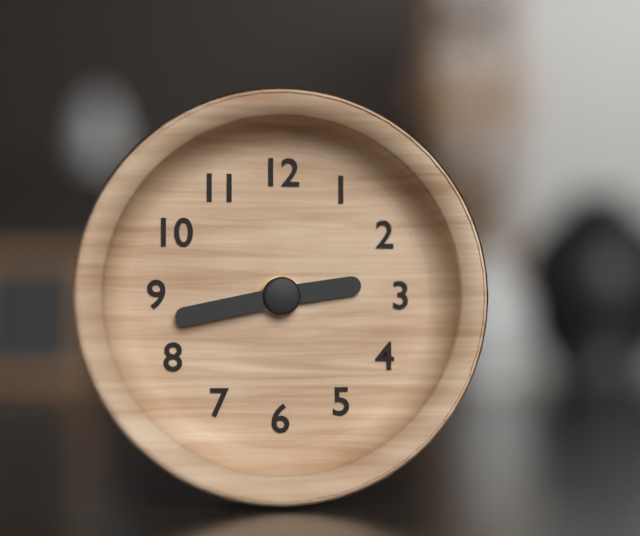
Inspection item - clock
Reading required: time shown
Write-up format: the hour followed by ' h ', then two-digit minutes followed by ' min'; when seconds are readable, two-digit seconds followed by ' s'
2 h 43 min
